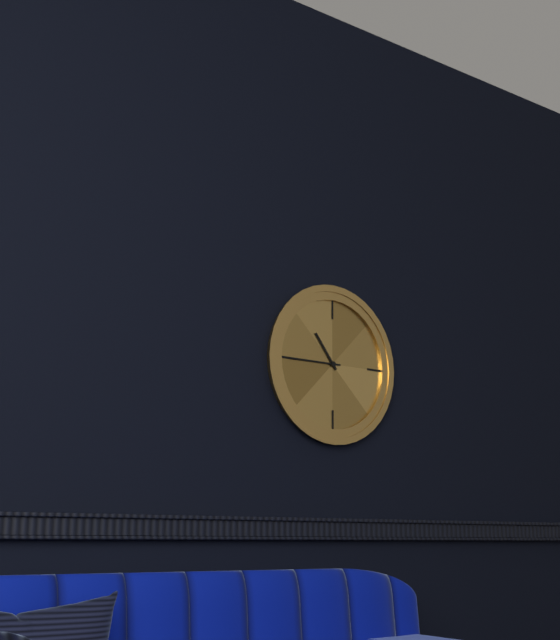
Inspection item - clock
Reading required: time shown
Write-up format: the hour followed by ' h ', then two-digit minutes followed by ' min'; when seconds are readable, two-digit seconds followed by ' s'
10 h 45 min
